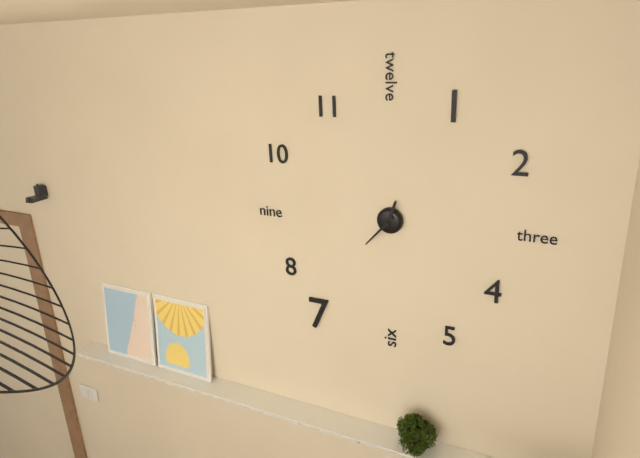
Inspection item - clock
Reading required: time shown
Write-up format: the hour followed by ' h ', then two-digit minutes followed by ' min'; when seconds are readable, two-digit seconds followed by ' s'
12 h 37 min
